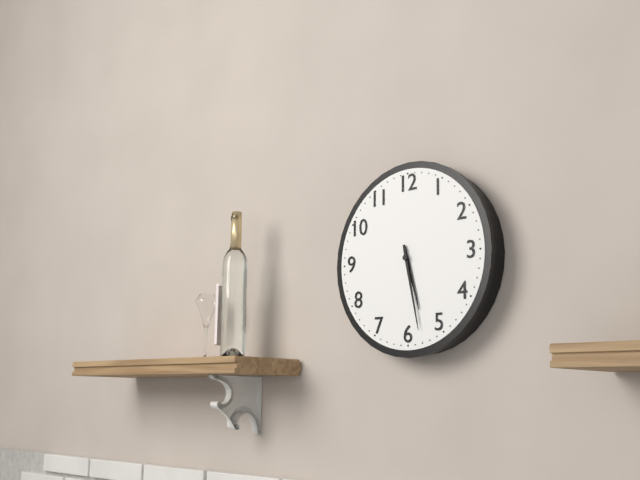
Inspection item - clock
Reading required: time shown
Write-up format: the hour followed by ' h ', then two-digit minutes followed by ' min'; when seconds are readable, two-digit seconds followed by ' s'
5 h 28 min
